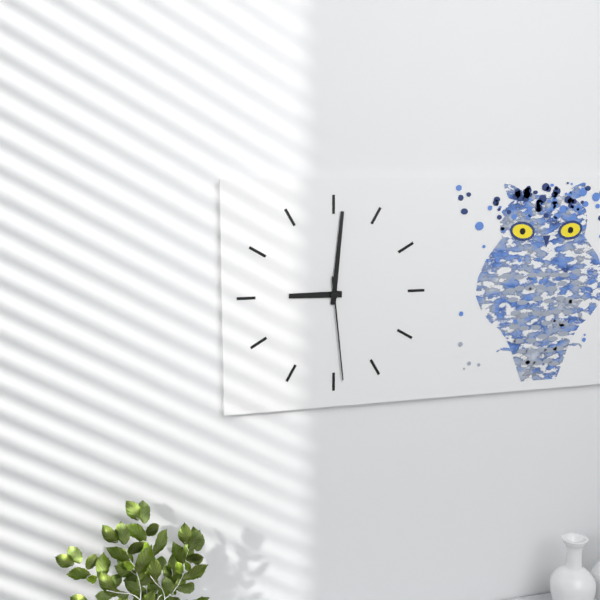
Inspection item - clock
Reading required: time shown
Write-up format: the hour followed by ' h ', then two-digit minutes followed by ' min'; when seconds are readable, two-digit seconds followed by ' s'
9 h 01 min 29 s
